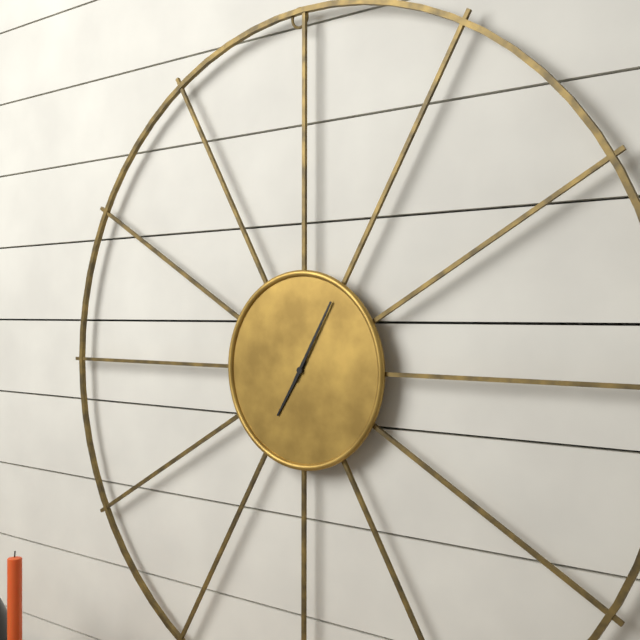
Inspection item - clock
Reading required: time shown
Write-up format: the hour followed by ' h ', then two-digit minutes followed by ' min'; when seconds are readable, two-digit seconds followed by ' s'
7 h 05 min
